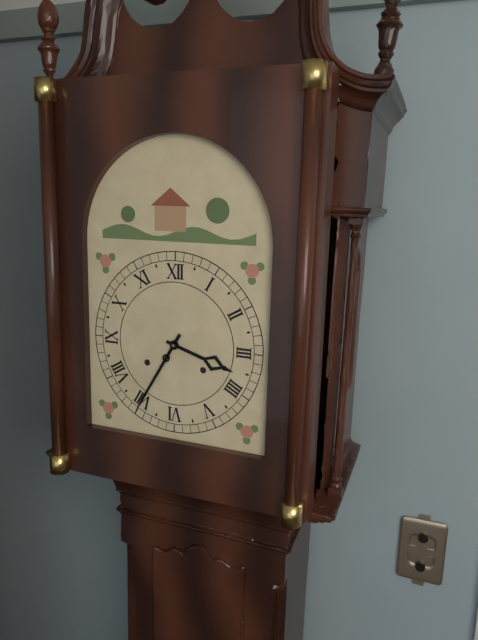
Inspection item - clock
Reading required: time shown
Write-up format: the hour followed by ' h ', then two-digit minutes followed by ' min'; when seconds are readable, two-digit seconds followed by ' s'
3 h 35 min
